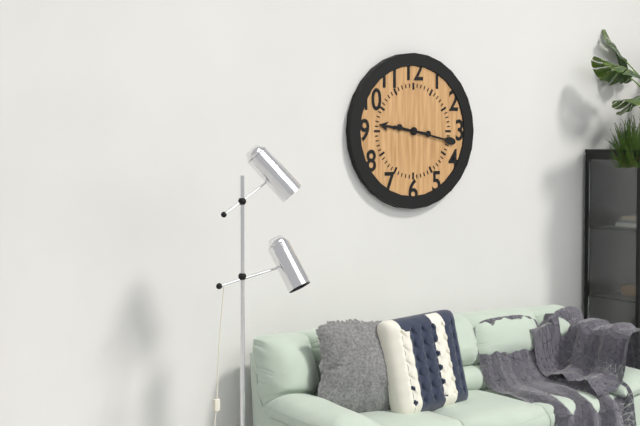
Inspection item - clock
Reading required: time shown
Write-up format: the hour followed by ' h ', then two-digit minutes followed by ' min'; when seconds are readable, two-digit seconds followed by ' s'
9 h 17 min
